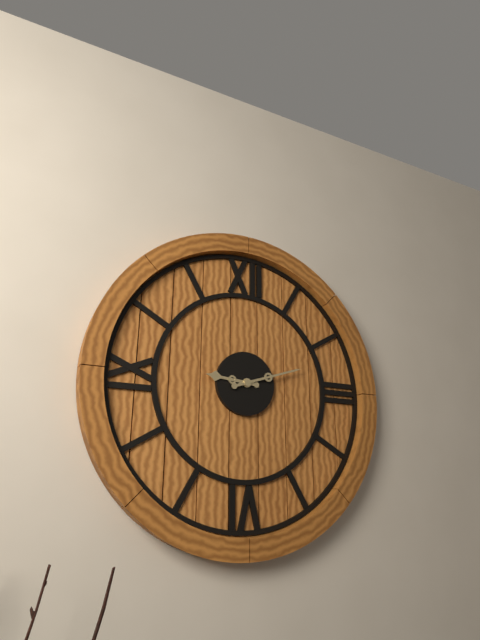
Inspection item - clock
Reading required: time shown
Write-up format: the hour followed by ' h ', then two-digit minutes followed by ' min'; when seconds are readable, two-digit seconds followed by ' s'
9 h 12 min
